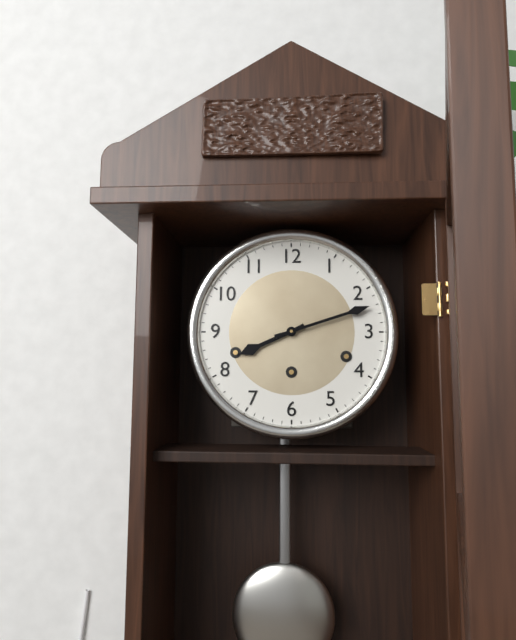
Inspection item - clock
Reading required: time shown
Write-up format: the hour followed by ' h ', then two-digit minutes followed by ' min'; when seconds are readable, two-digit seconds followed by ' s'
8 h 12 min
